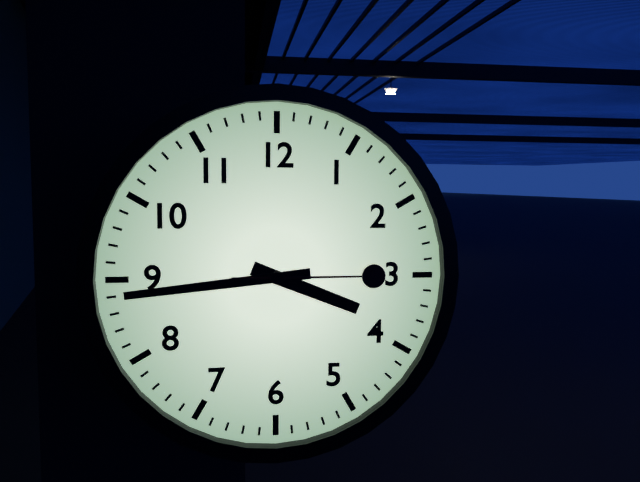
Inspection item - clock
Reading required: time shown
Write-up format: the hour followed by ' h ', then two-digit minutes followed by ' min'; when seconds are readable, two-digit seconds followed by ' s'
3 h 44 min 15 s
